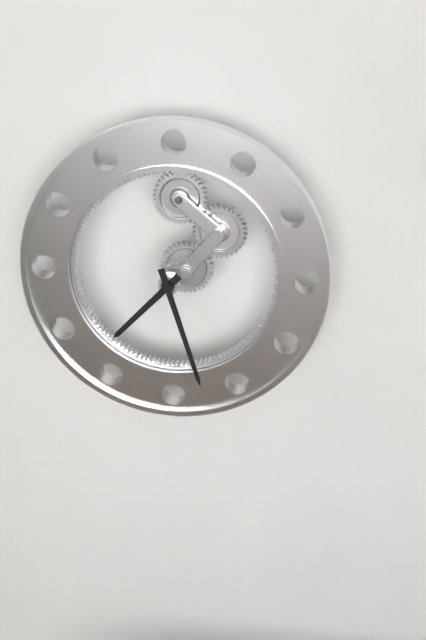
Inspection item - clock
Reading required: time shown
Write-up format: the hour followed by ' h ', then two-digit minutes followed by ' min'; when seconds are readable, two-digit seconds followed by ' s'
7 h 27 min
